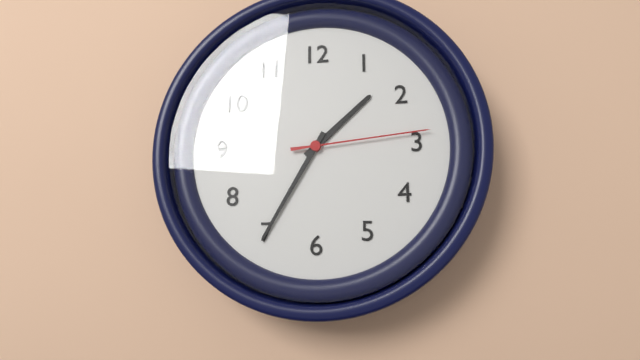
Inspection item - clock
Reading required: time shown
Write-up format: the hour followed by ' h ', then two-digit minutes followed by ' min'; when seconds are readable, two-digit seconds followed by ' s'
1 h 35 min 14 s
